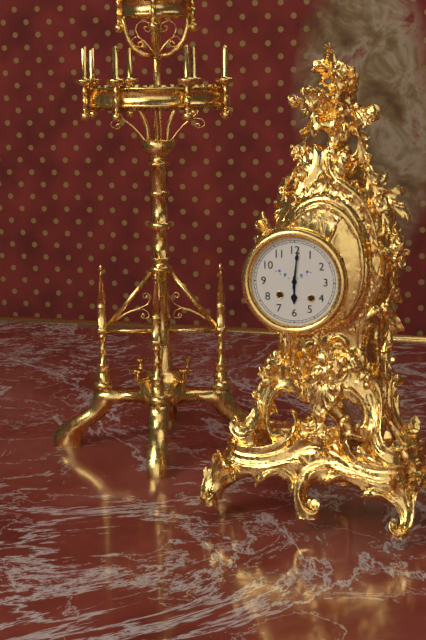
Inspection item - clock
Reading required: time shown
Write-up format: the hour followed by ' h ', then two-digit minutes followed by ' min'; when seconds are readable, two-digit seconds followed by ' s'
6 h 01 min
